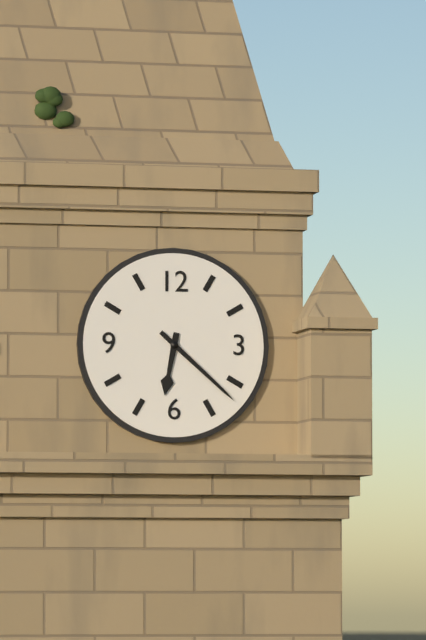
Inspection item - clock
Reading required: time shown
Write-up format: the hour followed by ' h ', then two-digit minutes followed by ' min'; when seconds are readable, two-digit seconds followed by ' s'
6 h 22 min
